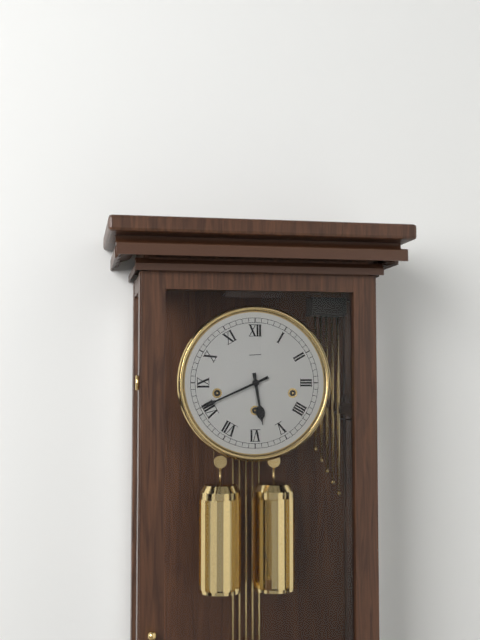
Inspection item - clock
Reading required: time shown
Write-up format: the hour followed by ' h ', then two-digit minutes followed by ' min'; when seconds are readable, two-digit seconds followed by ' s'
5 h 41 min
